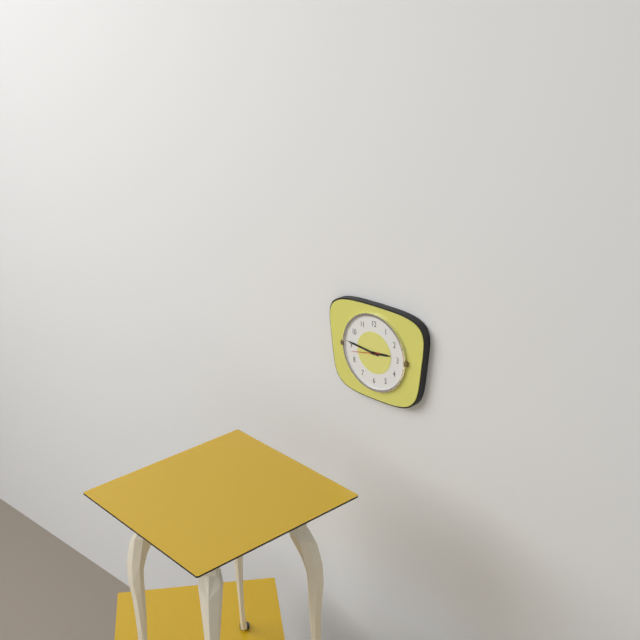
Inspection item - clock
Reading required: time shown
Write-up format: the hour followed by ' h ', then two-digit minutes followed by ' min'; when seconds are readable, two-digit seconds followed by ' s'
2 h 46 min
